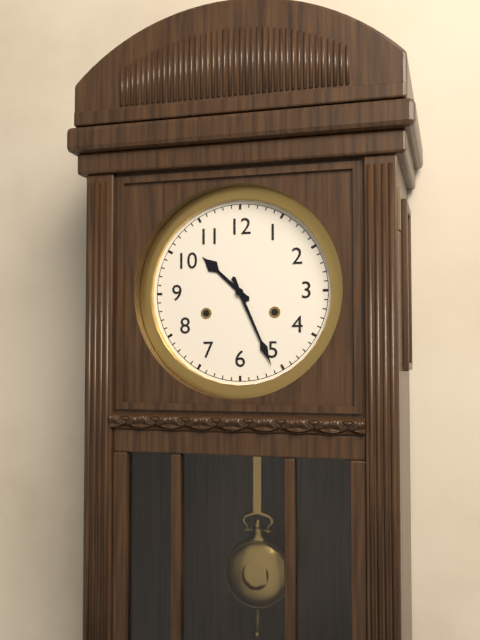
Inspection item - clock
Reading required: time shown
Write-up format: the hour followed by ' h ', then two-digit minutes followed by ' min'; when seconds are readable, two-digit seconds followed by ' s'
10 h 26 min
